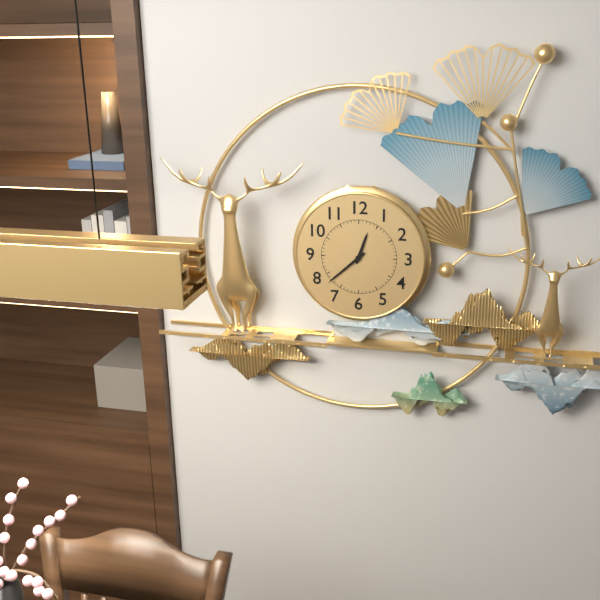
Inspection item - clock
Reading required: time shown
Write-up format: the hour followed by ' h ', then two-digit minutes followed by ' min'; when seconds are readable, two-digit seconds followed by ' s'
12 h 38 min
